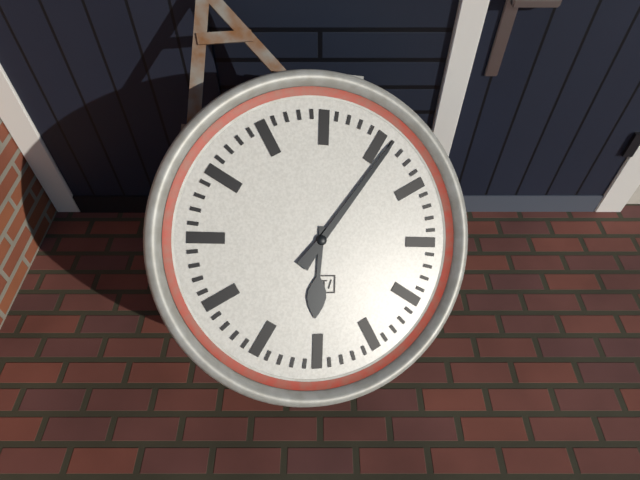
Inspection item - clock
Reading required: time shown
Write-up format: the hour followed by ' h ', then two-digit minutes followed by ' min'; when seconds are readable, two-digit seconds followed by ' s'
6 h 06 min
